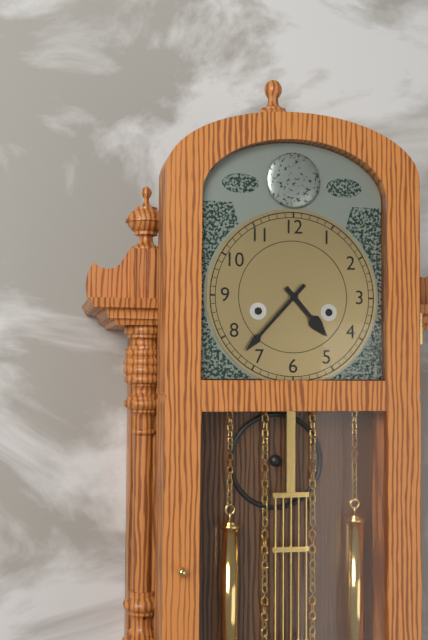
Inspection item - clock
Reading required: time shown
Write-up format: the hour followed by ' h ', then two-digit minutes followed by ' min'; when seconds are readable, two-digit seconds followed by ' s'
4 h 37 min
